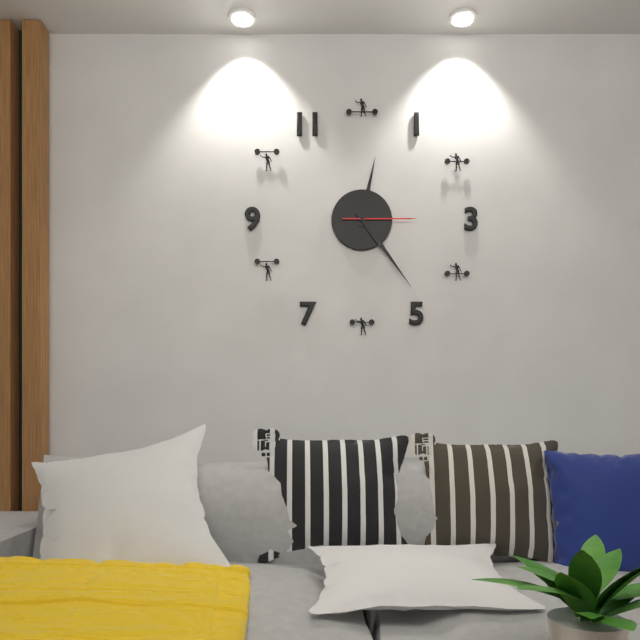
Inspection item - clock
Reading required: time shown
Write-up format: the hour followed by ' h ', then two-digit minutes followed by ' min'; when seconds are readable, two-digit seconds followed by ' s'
12 h 24 min 15 s
